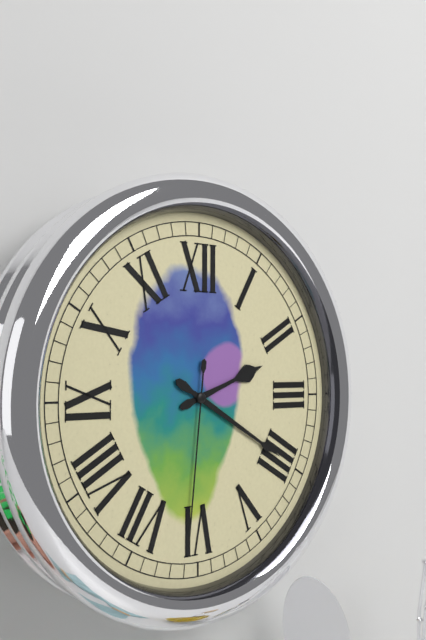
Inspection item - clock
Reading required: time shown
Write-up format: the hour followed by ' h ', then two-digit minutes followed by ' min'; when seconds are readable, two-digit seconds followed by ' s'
2 h 20 min 31 s
